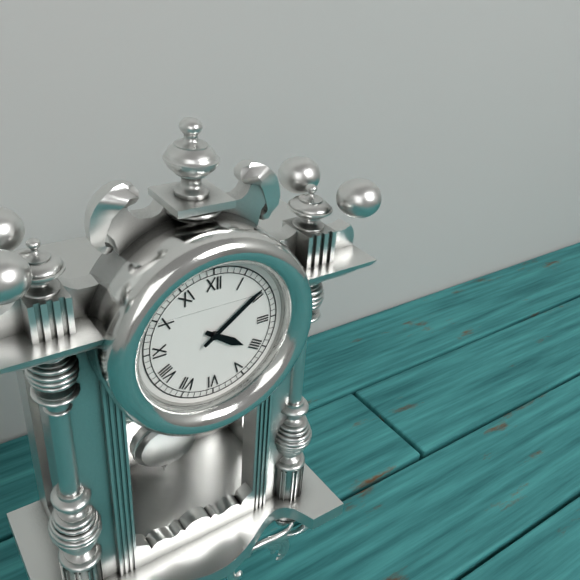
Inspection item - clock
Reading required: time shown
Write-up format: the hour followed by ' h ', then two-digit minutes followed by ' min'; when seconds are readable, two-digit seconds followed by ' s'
4 h 09 min
